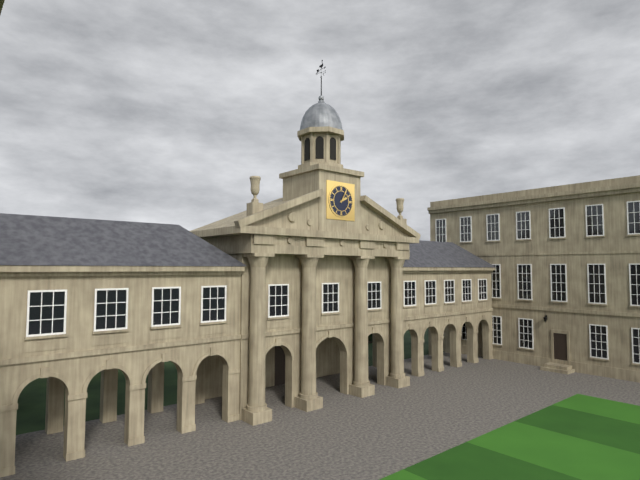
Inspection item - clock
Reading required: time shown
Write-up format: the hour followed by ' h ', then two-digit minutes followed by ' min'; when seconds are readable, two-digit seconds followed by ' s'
2 h 05 min
